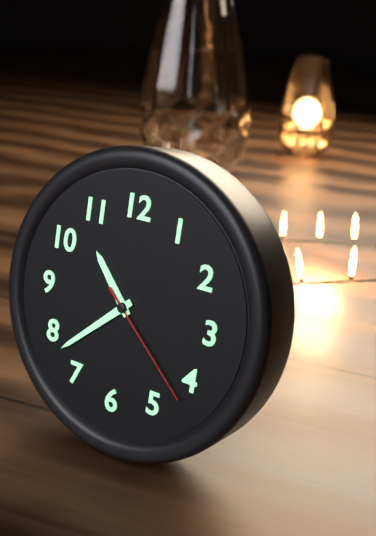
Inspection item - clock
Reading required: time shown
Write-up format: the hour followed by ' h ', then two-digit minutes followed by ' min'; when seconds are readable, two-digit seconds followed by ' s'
10 h 38 min 22 s
